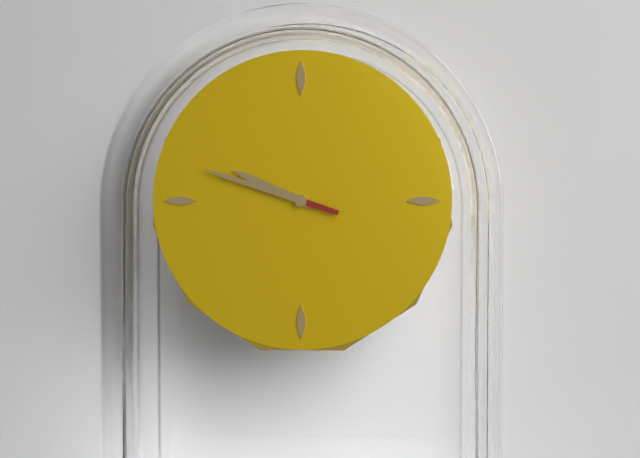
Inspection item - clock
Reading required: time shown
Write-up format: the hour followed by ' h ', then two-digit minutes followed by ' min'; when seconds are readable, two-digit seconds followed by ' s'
9 h 48 min
